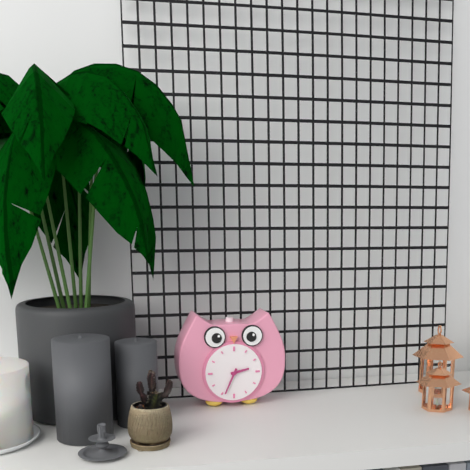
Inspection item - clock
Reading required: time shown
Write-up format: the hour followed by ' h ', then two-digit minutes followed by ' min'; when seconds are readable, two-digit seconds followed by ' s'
2 h 34 min
